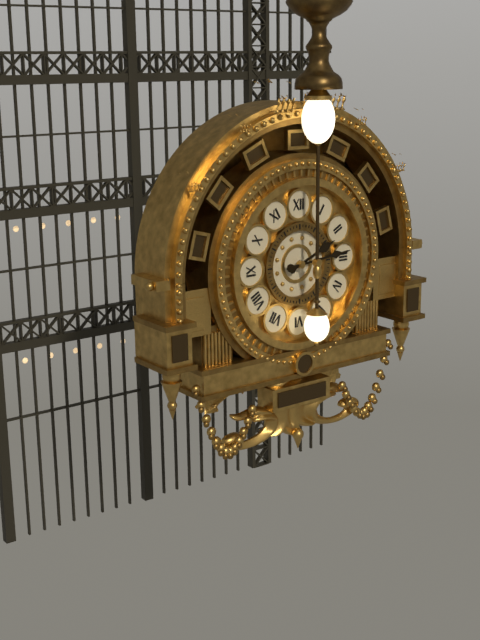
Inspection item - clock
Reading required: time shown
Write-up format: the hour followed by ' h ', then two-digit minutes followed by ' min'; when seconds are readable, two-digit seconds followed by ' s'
2 h 14 min
